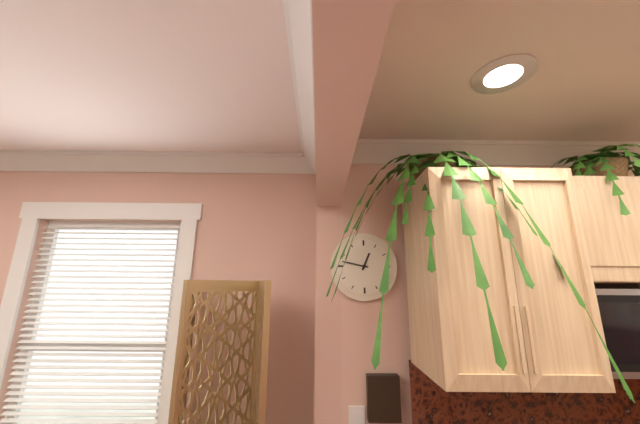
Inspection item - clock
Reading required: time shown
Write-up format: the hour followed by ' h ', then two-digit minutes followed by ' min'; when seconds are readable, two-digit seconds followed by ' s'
12 h 47 min
